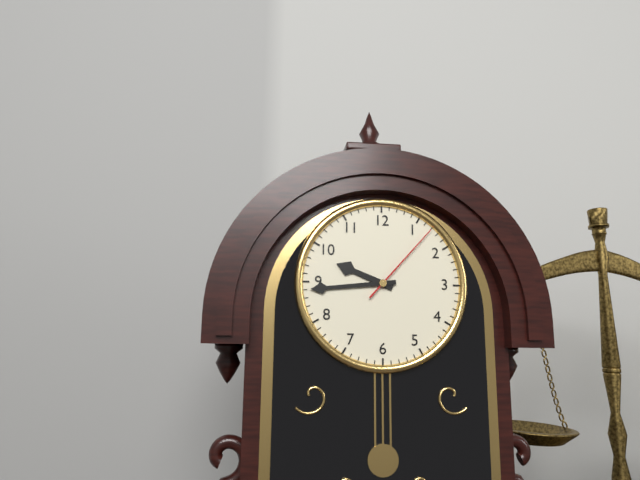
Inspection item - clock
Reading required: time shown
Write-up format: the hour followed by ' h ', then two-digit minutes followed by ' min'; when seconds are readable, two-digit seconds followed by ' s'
9 h 44 min 07 s
